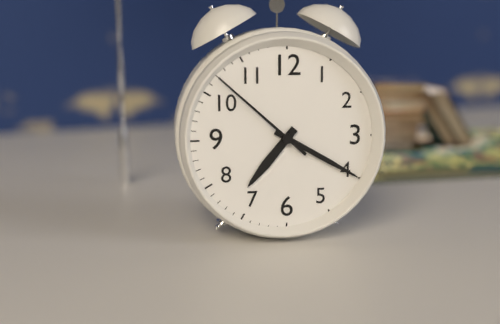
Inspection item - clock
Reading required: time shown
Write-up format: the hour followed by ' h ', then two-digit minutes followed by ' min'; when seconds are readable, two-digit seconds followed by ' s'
7 h 20 min 52 s
